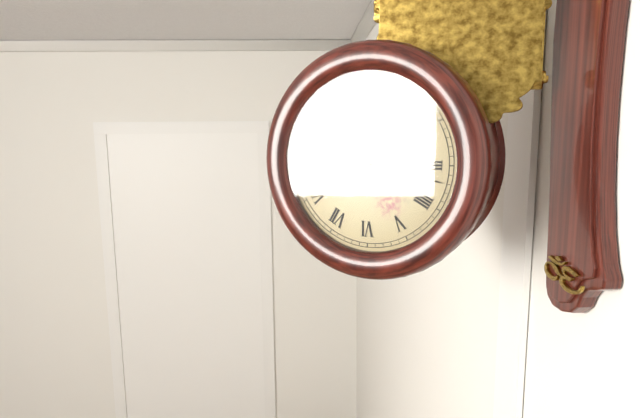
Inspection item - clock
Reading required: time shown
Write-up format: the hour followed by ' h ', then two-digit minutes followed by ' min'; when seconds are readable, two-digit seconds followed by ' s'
3 h 17 min 00 s
